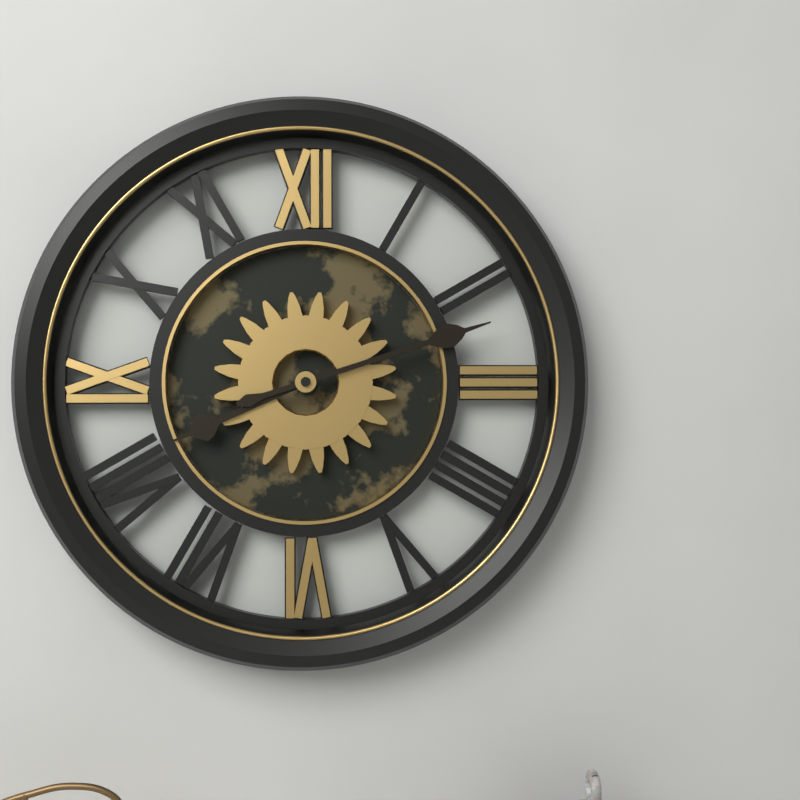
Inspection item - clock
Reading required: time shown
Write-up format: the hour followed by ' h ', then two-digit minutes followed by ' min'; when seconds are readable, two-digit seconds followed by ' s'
8 h 12 min
